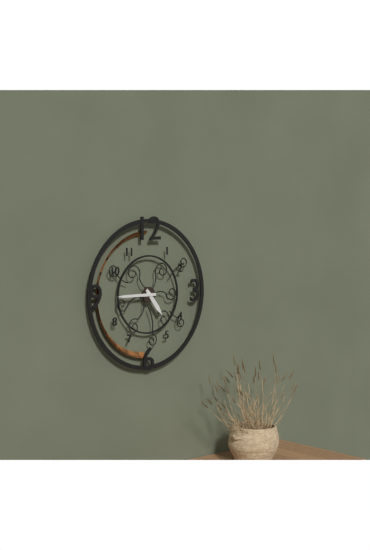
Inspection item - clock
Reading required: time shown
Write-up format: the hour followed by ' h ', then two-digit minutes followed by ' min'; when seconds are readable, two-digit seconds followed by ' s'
4 h 45 min
